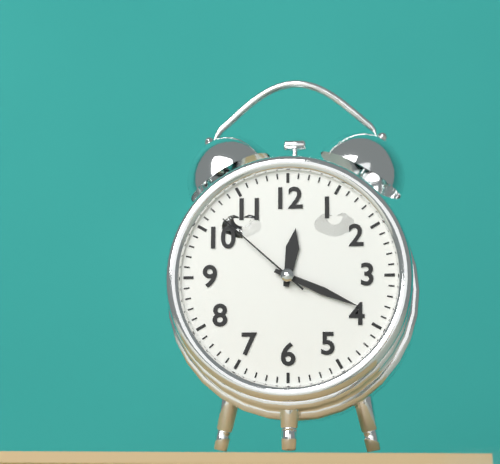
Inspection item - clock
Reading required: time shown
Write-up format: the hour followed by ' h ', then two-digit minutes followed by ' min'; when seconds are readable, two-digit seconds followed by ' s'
12 h 19 min 52 s
